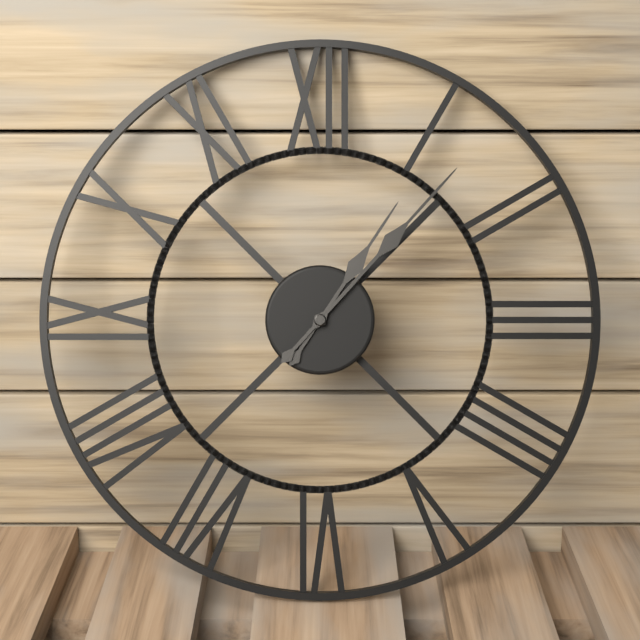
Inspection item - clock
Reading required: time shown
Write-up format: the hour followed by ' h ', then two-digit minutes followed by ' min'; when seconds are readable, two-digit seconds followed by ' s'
1 h 07 min
